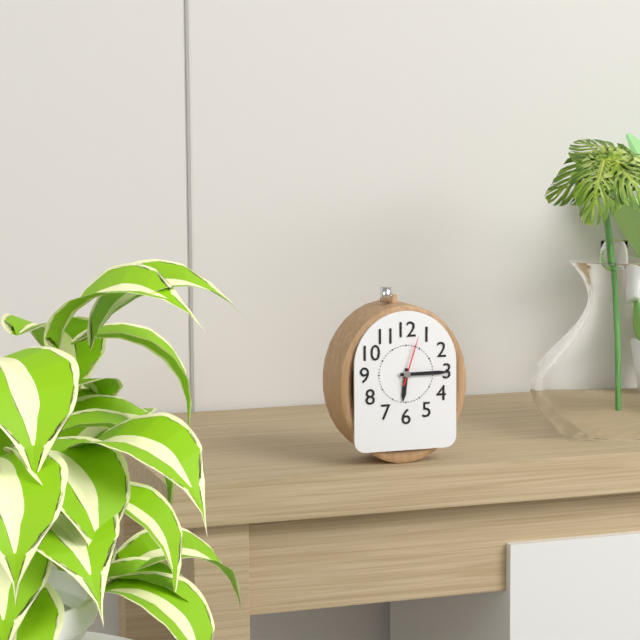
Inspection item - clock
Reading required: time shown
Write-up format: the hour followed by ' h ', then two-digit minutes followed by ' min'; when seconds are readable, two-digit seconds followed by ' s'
6 h 15 min 03 s
